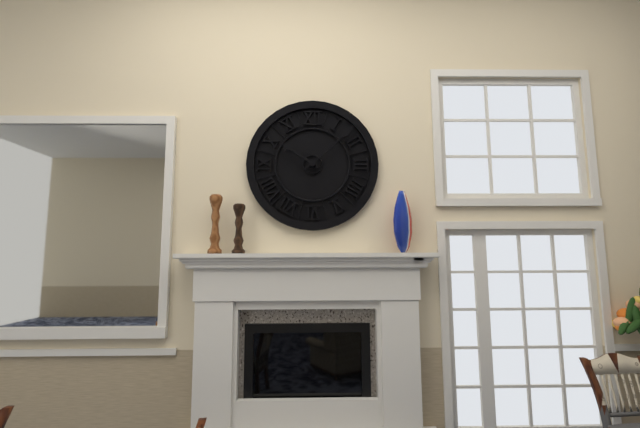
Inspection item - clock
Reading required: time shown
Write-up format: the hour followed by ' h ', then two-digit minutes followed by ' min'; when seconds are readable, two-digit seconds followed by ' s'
10 h 08 min
